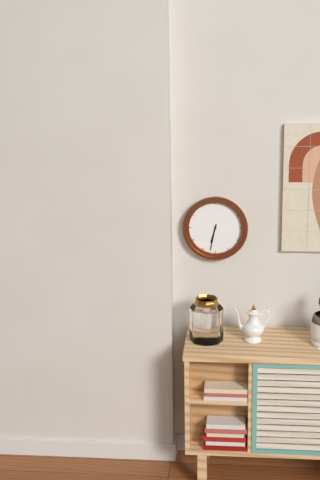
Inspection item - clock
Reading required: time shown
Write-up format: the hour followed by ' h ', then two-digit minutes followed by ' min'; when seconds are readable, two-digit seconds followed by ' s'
6 h 32 min
